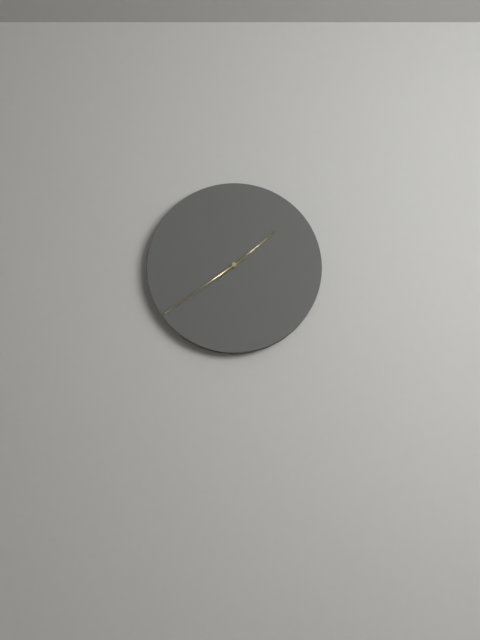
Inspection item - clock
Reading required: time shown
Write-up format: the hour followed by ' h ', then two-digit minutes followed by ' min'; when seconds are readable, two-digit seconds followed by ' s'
1 h 39 min
